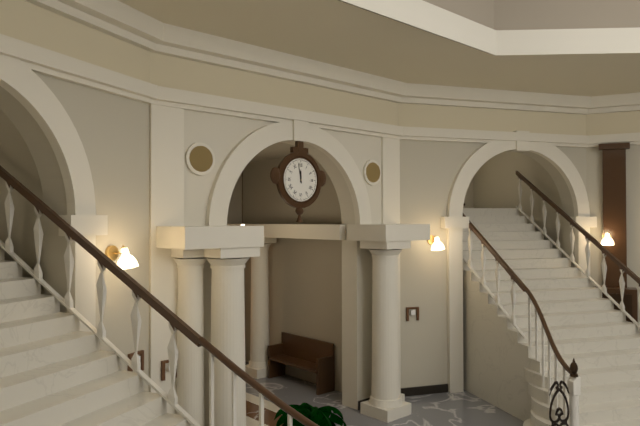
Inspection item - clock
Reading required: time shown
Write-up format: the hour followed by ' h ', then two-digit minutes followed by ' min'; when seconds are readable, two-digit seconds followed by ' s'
11 h 58 min
